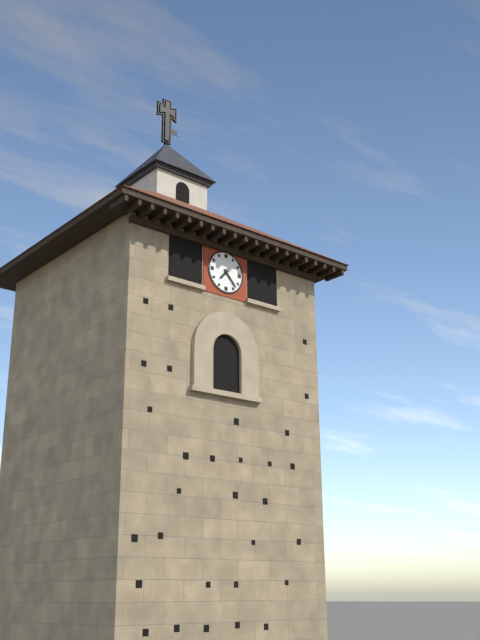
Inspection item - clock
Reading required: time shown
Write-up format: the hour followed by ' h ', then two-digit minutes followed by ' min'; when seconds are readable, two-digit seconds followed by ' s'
7 h 23 min
